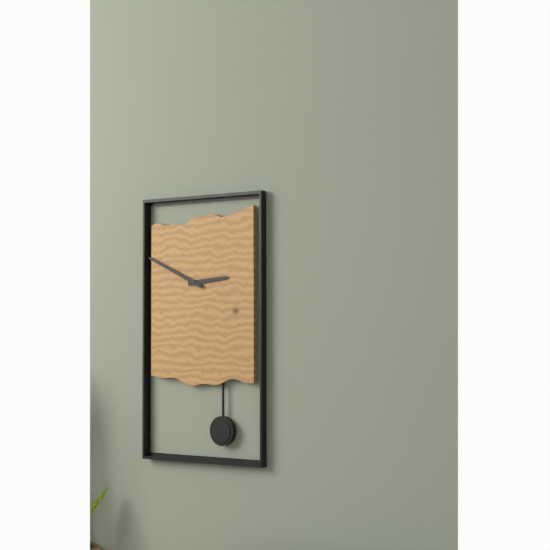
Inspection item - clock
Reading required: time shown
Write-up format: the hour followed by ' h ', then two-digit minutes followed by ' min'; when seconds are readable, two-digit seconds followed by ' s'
2 h 49 min
